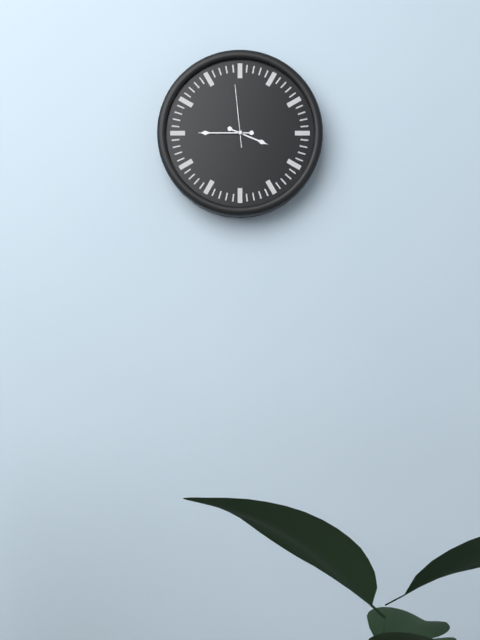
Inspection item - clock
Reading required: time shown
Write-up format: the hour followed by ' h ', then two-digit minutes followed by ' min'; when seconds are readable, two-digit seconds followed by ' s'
3 h 45 min 59 s
